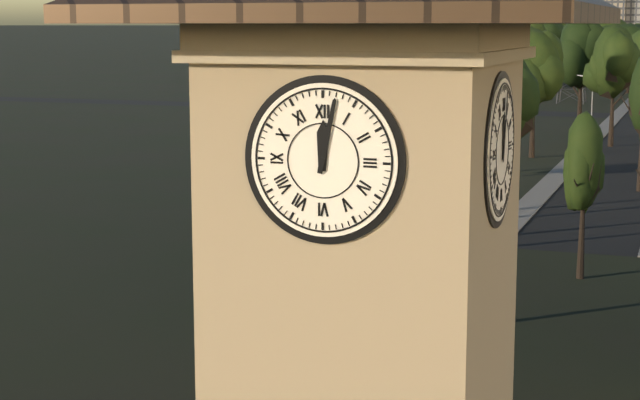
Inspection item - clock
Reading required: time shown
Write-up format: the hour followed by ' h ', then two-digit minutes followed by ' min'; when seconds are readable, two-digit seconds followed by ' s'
12 h 02 min
